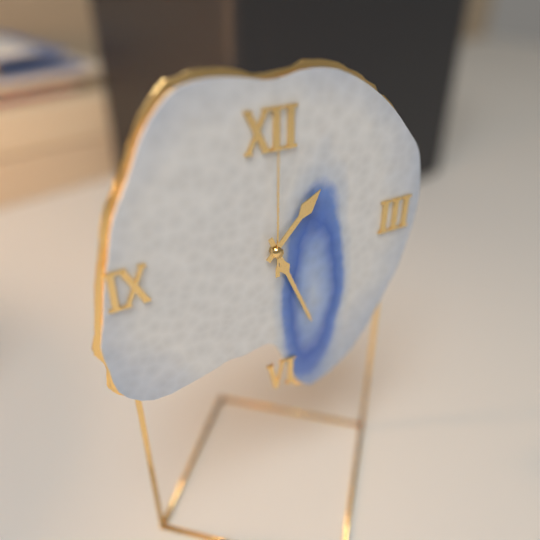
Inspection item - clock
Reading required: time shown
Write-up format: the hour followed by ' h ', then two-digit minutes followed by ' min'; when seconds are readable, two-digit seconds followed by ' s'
1 h 26 min 00 s
